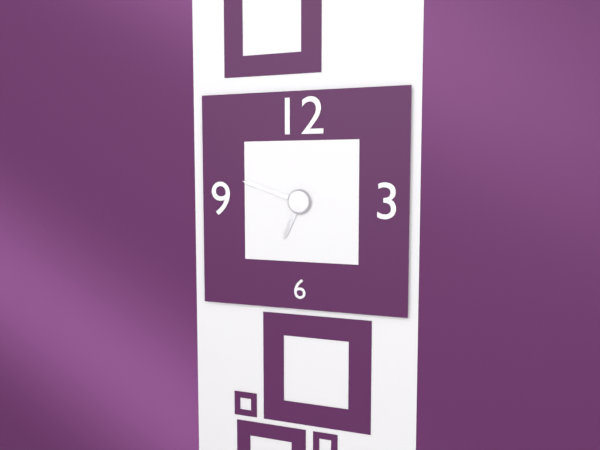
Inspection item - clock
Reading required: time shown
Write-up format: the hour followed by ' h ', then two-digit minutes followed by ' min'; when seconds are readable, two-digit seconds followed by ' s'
6 h 48 min
